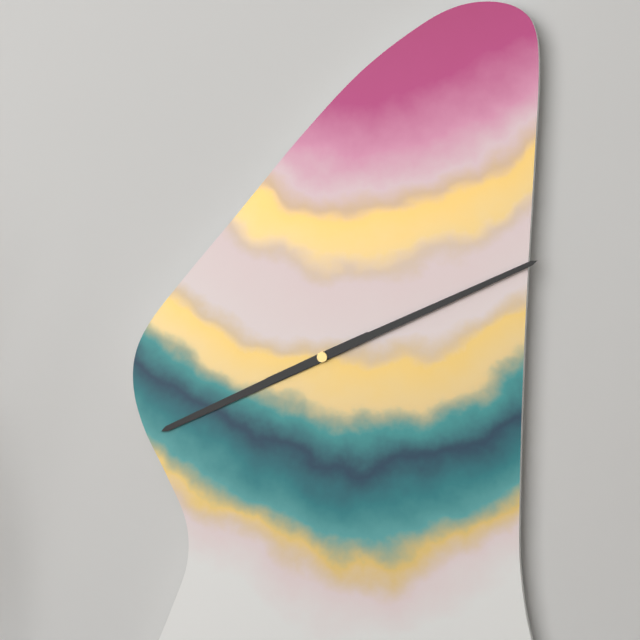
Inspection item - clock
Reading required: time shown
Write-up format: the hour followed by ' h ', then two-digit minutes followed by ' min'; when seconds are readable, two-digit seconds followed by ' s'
8 h 11 min
